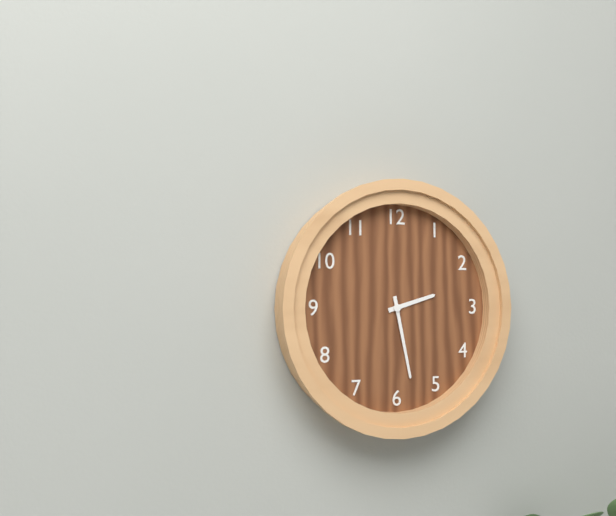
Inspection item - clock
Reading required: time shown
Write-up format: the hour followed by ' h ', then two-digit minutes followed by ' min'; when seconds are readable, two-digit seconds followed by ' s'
2 h 28 min
